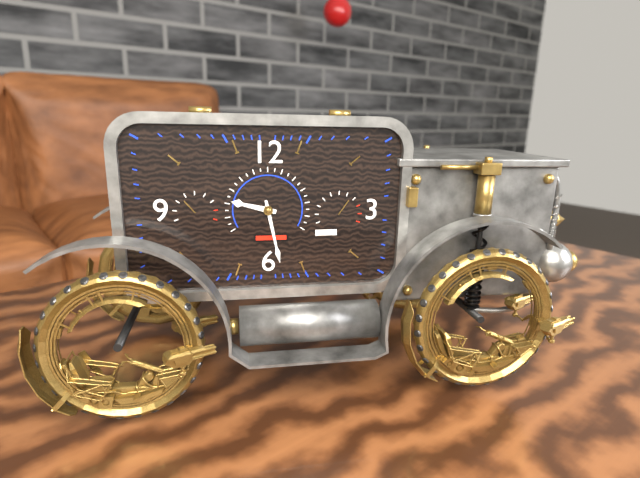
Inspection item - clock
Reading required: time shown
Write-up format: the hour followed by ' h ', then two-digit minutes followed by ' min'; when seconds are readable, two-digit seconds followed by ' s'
9 h 28 min
